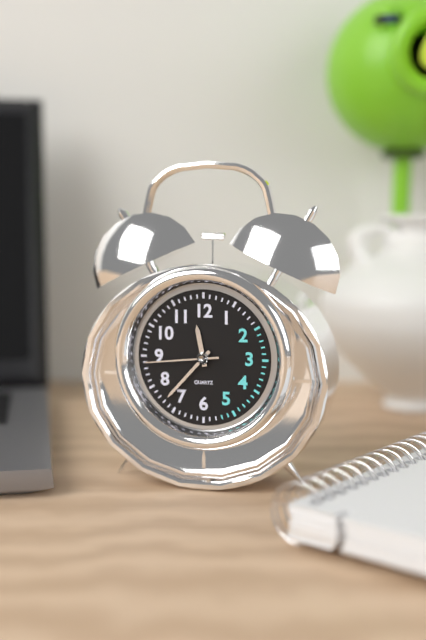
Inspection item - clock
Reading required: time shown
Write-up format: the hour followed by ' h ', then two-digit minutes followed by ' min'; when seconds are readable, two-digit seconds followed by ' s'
11 h 37 min 44 s
